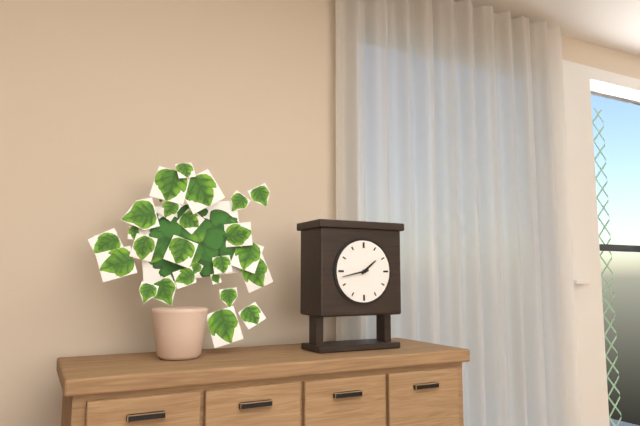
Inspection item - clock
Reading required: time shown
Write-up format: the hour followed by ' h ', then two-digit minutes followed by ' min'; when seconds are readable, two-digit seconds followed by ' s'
1 h 43 min
